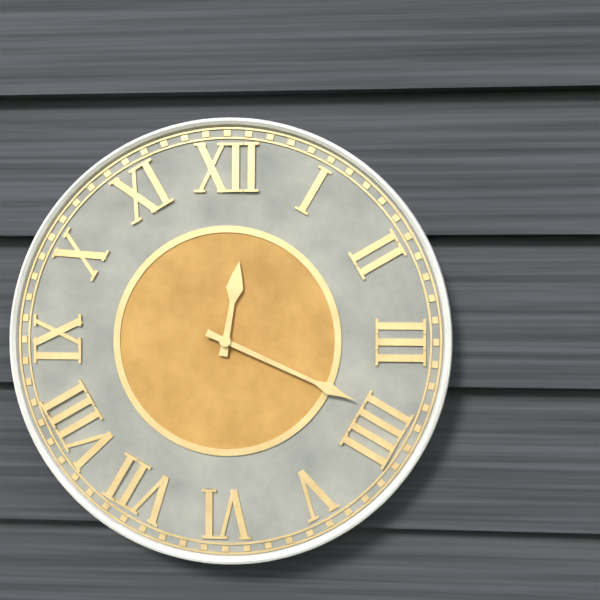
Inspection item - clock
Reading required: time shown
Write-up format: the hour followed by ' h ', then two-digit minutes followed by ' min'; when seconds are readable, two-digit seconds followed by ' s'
12 h 19 min
